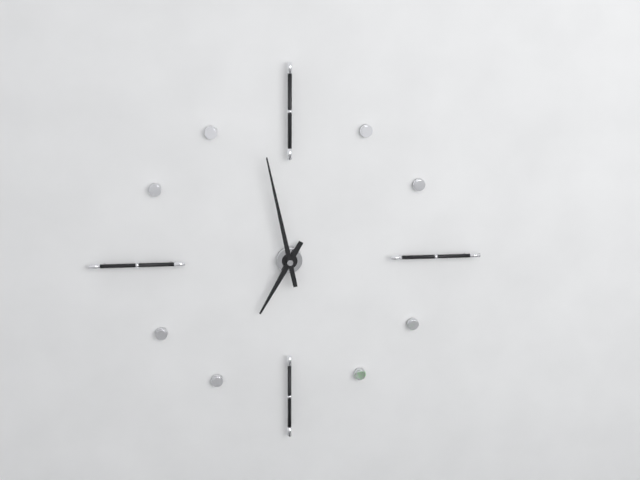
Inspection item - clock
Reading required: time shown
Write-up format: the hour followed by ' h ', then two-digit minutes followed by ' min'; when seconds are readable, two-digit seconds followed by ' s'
6 h 58 min
